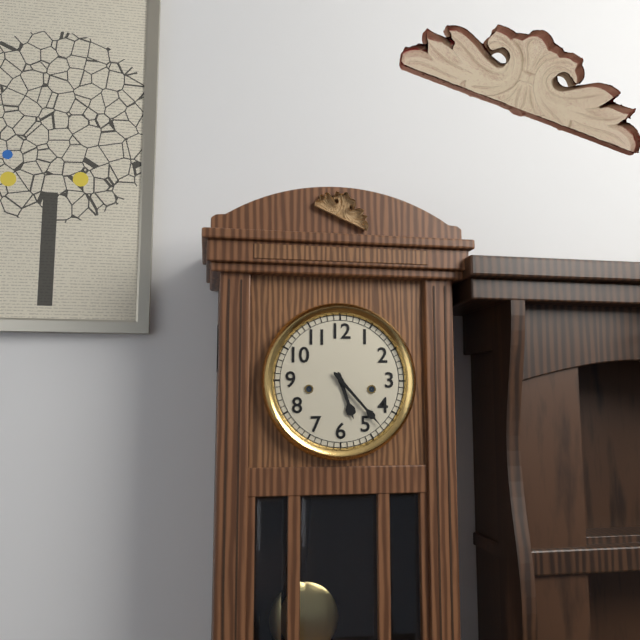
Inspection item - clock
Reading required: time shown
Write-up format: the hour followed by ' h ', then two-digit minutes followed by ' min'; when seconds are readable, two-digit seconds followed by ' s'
5 h 23 min
